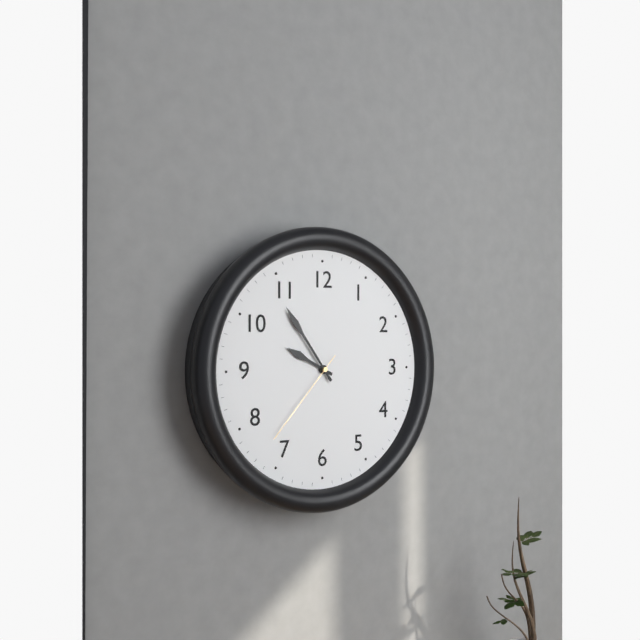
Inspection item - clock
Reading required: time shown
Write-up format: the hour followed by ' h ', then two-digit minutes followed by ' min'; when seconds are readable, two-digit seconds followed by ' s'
9 h 54 min 37 s
